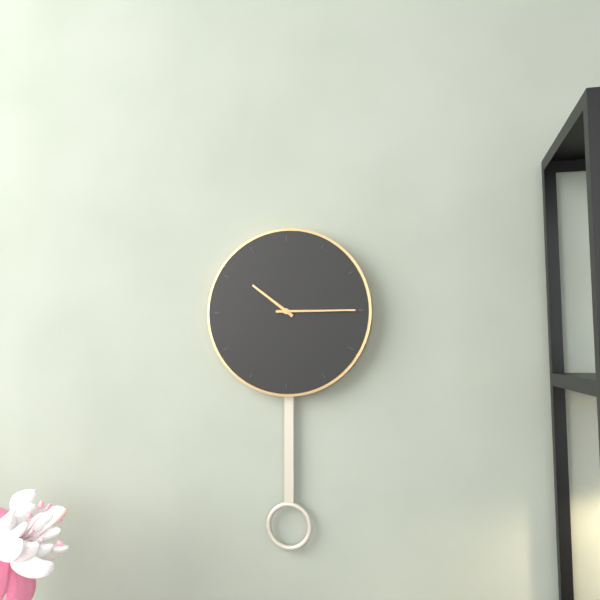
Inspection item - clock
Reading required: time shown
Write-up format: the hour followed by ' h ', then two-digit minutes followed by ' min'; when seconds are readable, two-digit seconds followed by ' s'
10 h 15 min
